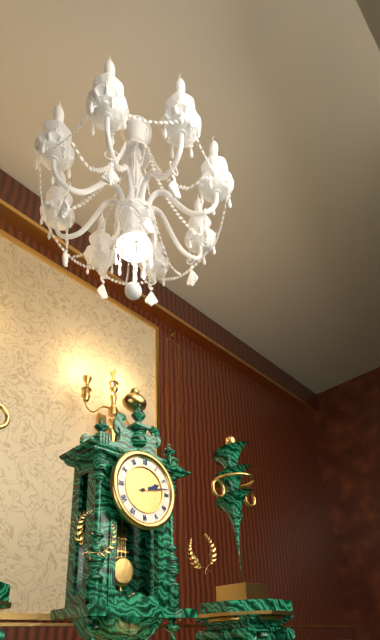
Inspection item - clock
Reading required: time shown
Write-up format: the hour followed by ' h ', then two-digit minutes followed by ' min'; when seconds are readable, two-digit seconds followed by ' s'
2 h 13 min
